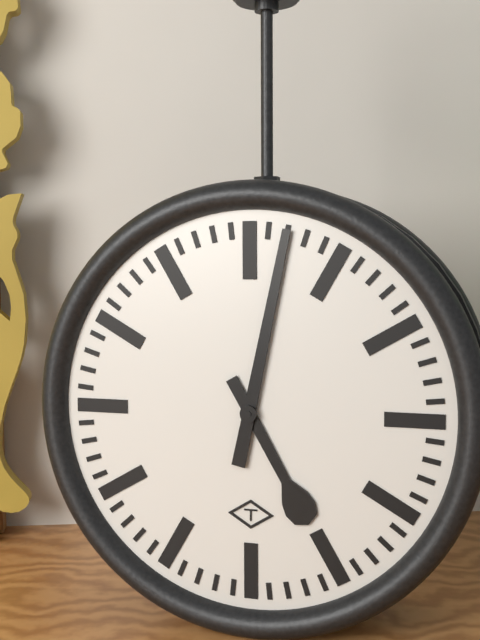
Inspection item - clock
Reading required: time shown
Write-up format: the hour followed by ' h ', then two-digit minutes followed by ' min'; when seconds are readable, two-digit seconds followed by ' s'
5 h 02 min
